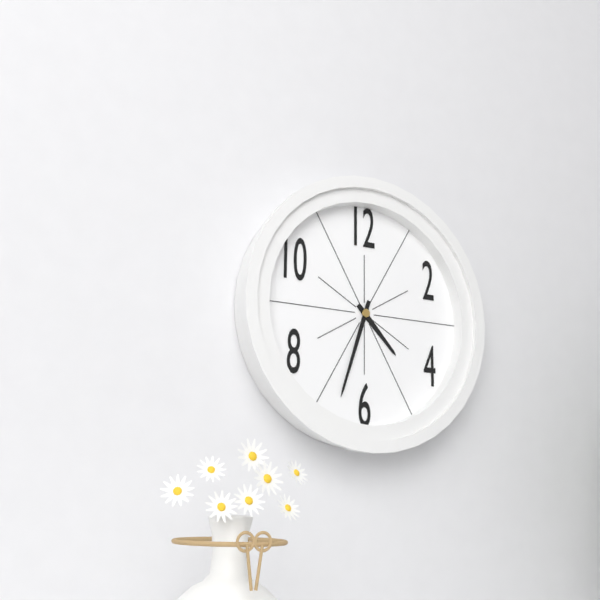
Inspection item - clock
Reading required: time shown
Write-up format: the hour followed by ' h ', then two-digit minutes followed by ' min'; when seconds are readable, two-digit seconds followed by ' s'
4 h 33 min
